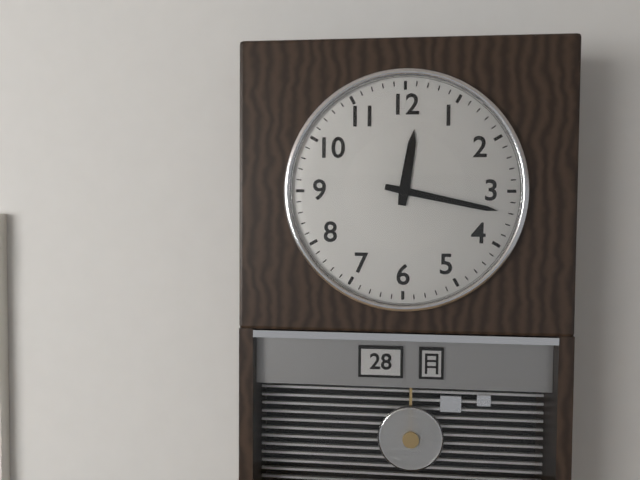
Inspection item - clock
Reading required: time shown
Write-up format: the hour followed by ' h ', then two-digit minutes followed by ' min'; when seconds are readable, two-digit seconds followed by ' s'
12 h 17 min
